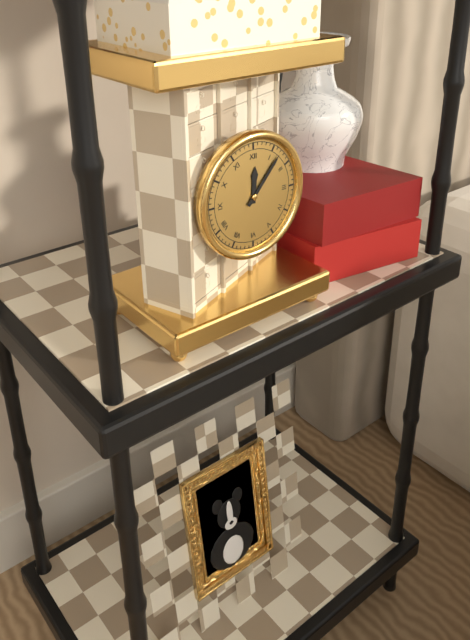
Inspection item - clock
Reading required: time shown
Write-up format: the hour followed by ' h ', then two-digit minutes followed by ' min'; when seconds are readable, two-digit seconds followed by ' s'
12 h 07 min
